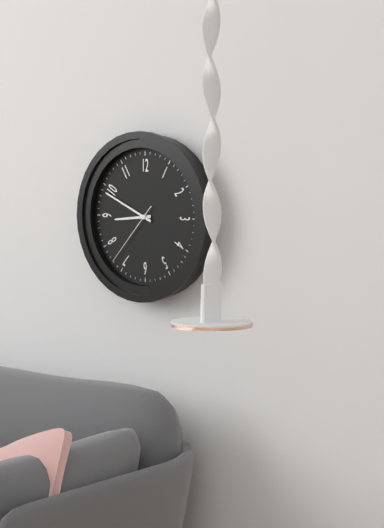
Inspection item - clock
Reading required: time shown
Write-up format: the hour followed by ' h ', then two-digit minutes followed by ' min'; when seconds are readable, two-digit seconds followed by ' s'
8 h 49 min 37 s
